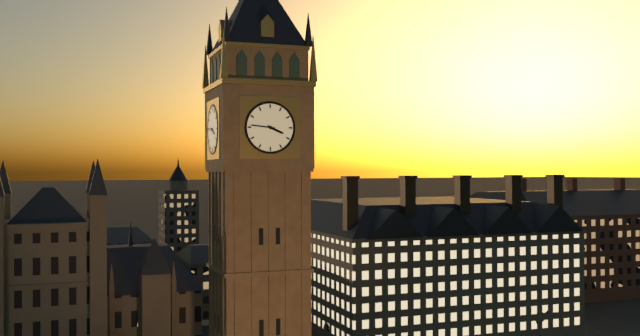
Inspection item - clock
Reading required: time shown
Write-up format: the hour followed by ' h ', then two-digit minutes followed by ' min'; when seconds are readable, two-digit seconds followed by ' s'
3 h 46 min
